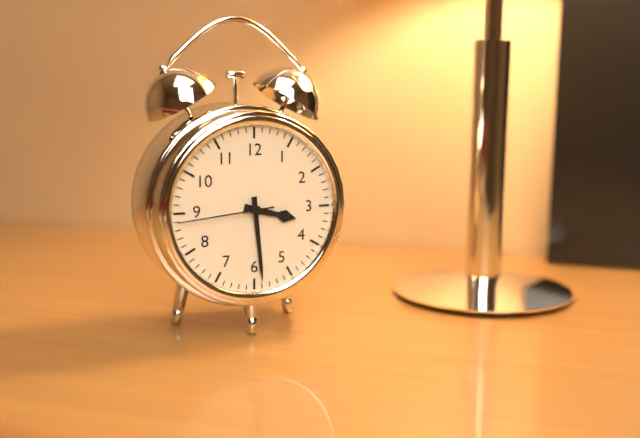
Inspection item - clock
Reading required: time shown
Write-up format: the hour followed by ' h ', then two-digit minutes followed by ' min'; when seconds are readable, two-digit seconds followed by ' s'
3 h 29 min 44 s
